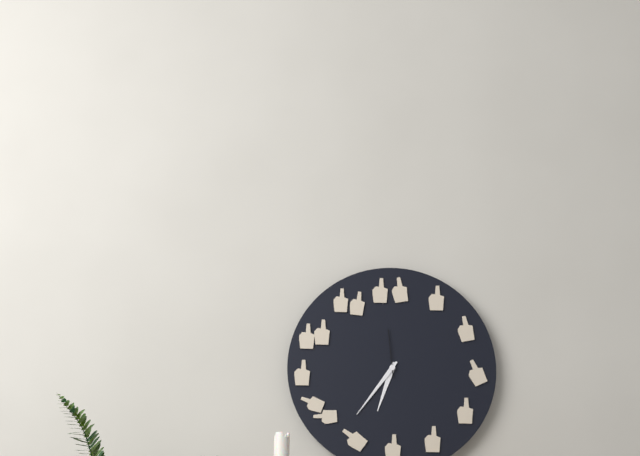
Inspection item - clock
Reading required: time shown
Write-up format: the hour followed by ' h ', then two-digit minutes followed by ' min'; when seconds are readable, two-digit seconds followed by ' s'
6 h 36 min 59 s
